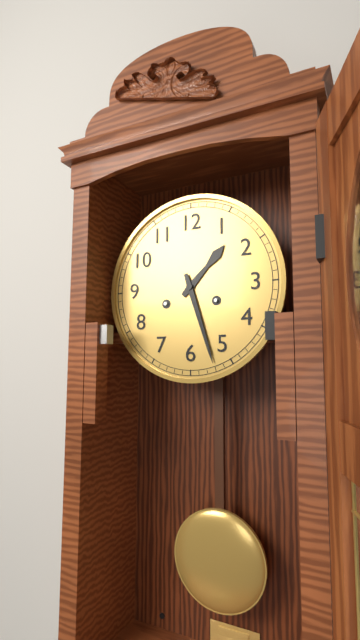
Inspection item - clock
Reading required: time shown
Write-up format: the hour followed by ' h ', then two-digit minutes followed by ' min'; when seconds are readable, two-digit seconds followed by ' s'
1 h 27 min
